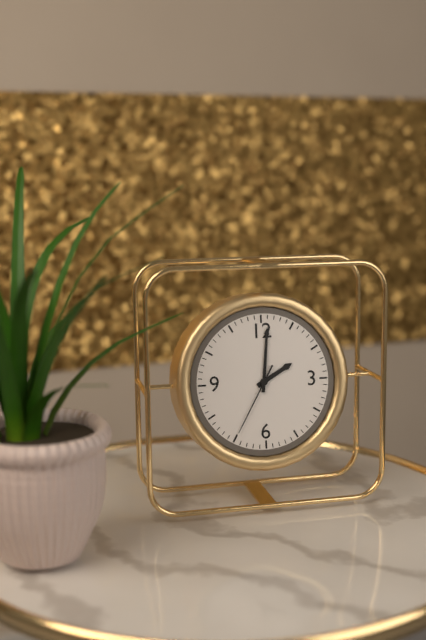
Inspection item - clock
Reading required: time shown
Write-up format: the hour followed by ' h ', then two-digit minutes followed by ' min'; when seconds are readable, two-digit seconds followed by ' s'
2 h 01 min 35 s
